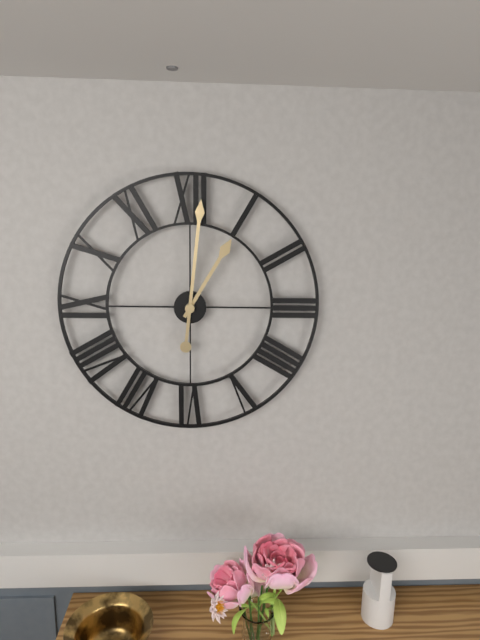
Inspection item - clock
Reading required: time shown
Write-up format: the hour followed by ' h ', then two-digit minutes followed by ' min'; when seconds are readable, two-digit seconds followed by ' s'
1 h 01 min
